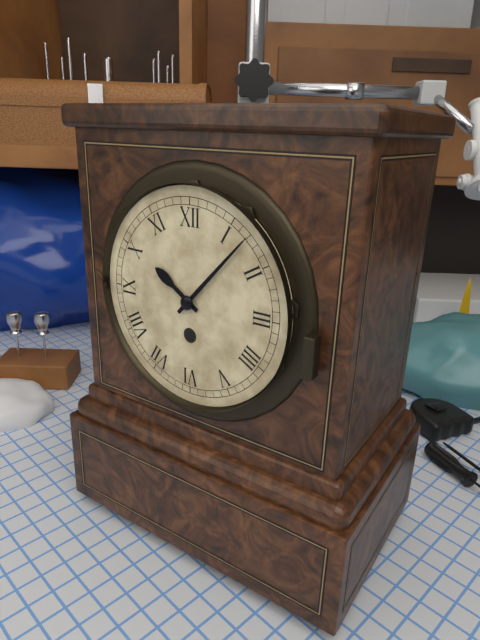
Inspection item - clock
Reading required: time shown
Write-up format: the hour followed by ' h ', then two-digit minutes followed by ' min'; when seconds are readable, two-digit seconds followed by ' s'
10 h 07 min
